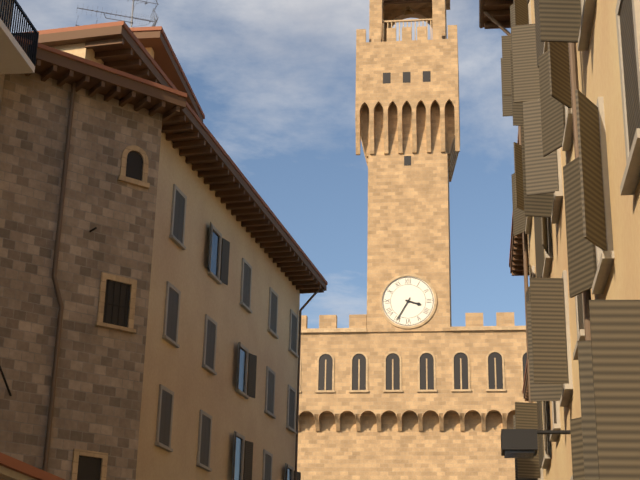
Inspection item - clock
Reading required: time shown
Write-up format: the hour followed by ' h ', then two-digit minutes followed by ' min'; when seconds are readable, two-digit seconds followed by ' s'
3 h 35 min
